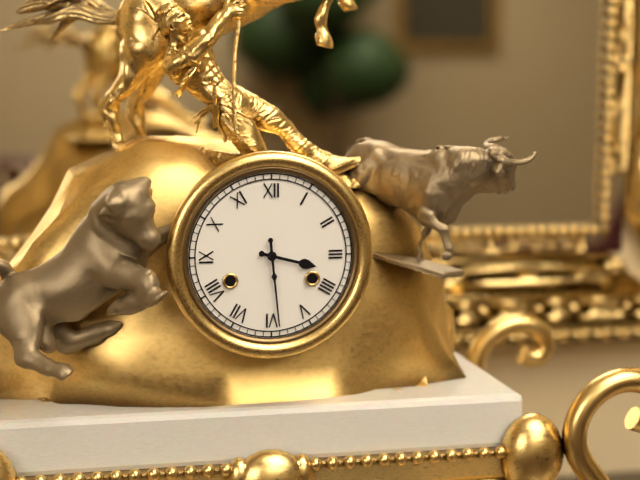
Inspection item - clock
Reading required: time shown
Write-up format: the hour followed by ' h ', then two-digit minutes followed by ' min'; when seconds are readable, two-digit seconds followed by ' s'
3 h 29 min
